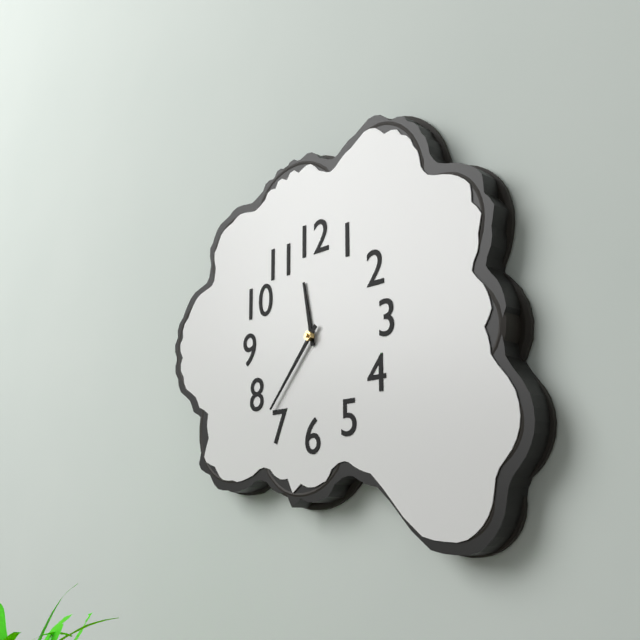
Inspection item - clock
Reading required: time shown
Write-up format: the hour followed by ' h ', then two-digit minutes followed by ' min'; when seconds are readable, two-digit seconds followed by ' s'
11 h 37 min
